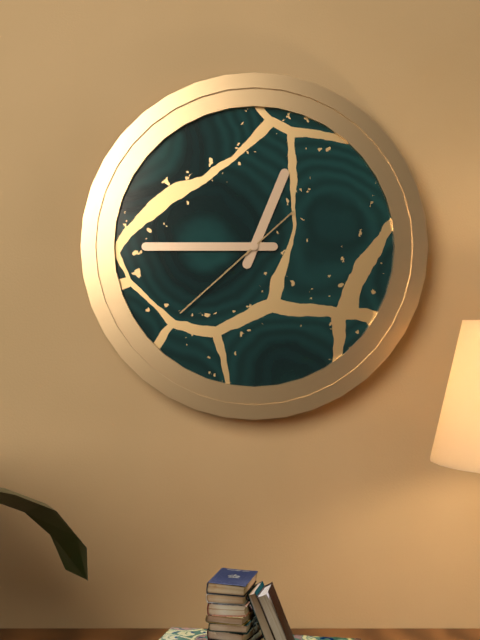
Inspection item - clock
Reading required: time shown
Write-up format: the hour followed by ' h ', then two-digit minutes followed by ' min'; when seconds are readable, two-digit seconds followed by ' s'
12 h 45 min 38 s
